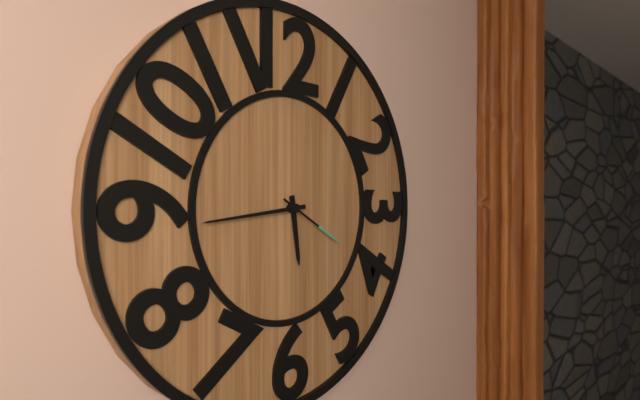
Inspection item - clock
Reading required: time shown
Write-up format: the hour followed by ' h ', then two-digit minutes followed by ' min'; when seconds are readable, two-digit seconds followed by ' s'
5 h 44 min 20 s
